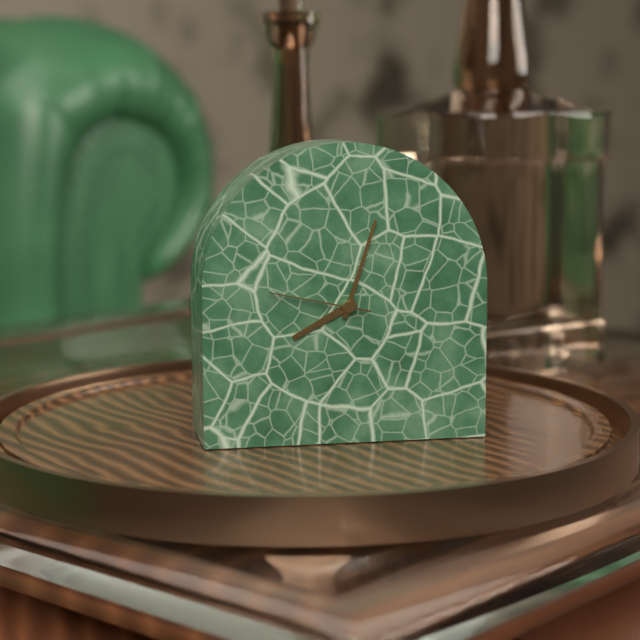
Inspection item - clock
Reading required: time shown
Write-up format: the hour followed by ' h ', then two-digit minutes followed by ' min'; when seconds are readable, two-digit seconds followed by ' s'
8 h 03 min 47 s
